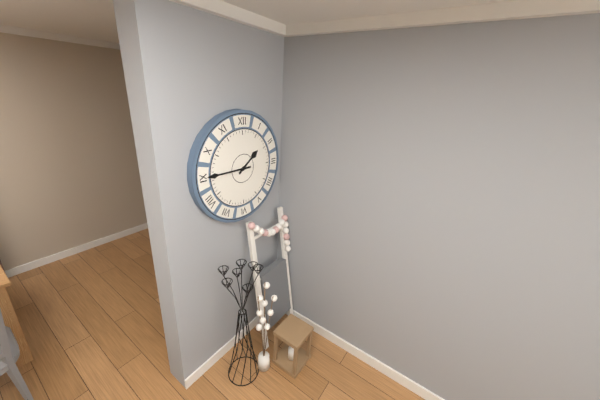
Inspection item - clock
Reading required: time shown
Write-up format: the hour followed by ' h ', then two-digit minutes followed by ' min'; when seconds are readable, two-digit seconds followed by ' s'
1 h 45 min
